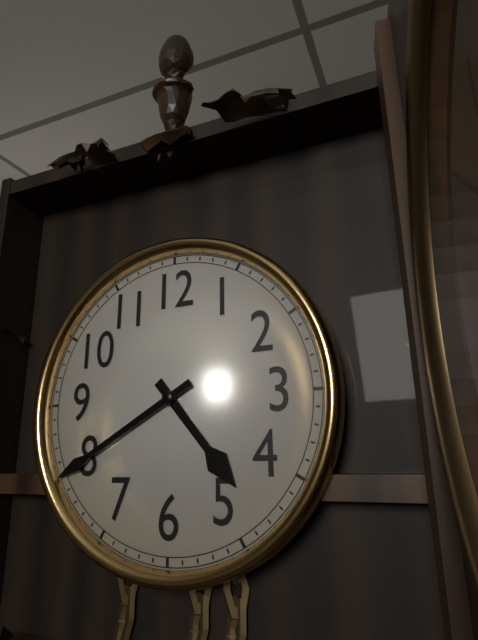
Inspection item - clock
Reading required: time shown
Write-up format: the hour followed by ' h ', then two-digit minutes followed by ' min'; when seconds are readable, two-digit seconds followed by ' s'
4 h 40 min
